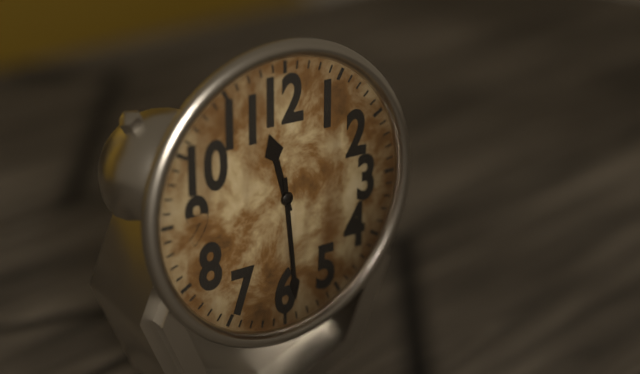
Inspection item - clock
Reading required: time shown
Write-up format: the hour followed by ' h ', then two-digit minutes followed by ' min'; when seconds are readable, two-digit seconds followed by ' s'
11 h 29 min
